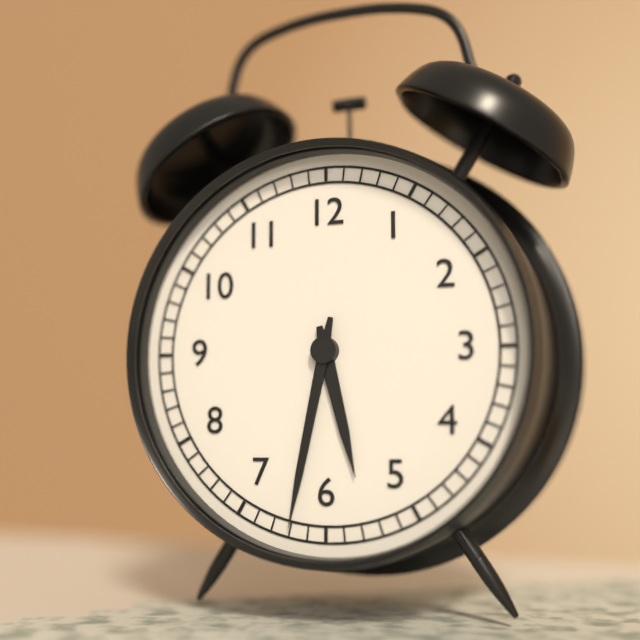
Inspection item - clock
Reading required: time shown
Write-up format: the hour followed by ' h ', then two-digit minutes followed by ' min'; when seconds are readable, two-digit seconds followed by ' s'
5 h 32 min
